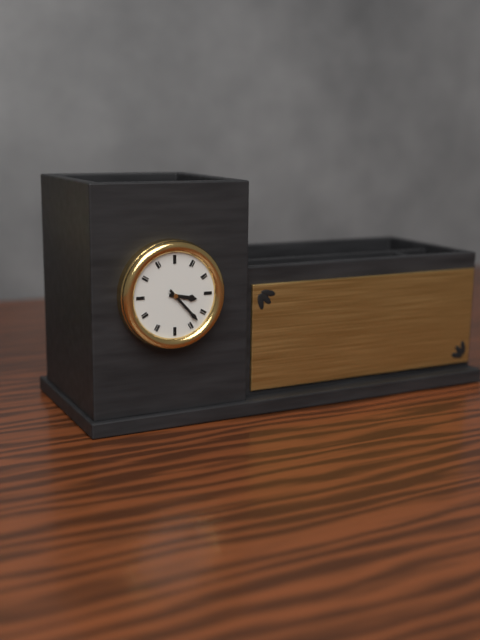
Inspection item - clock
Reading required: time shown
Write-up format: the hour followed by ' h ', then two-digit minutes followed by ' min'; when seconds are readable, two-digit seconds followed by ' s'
3 h 23 min
